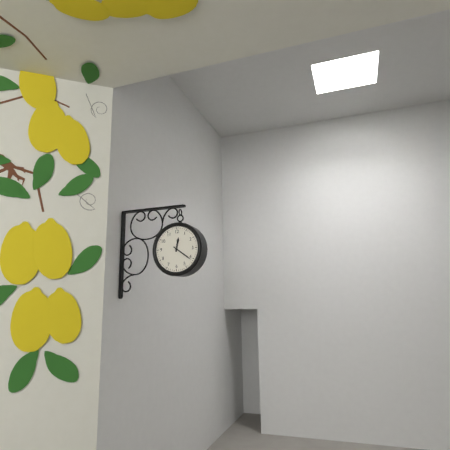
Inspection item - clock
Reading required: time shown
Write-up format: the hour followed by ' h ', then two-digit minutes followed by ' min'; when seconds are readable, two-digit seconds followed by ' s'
12 h 21 min
